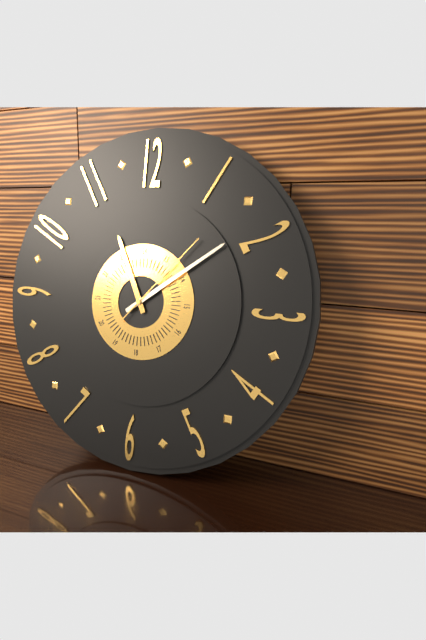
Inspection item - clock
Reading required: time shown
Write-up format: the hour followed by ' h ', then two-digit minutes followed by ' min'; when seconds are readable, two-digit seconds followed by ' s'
11 h 09 min 07 s
